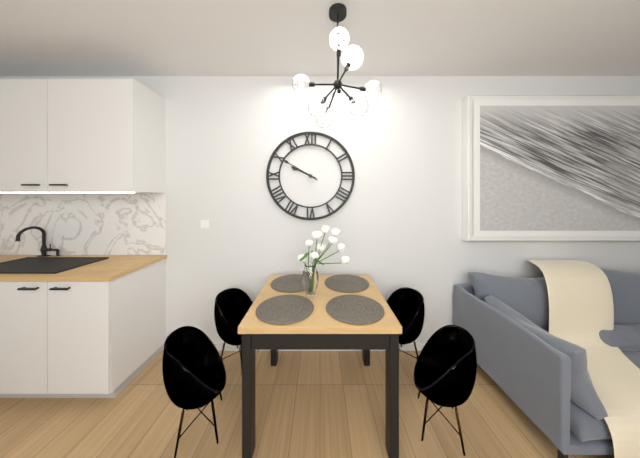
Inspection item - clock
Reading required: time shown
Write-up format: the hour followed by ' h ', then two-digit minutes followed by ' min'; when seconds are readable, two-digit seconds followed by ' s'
9 h 50 min
